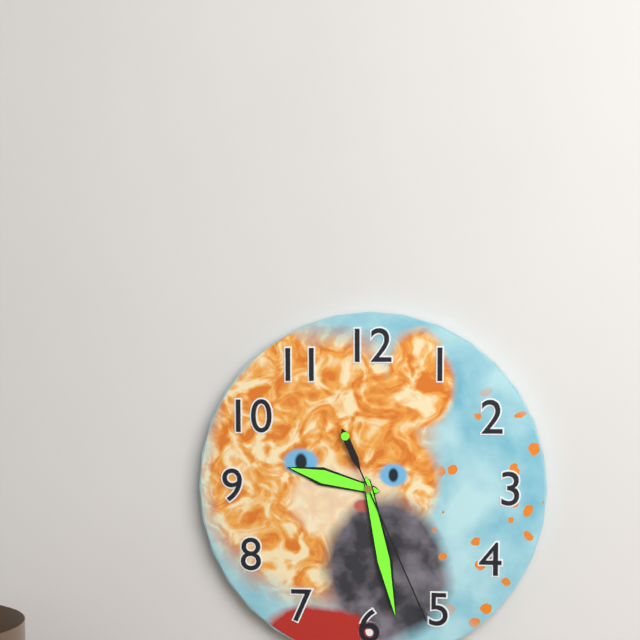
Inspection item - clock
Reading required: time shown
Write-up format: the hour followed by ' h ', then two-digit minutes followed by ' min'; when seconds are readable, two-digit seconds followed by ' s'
9 h 28 min 26 s
